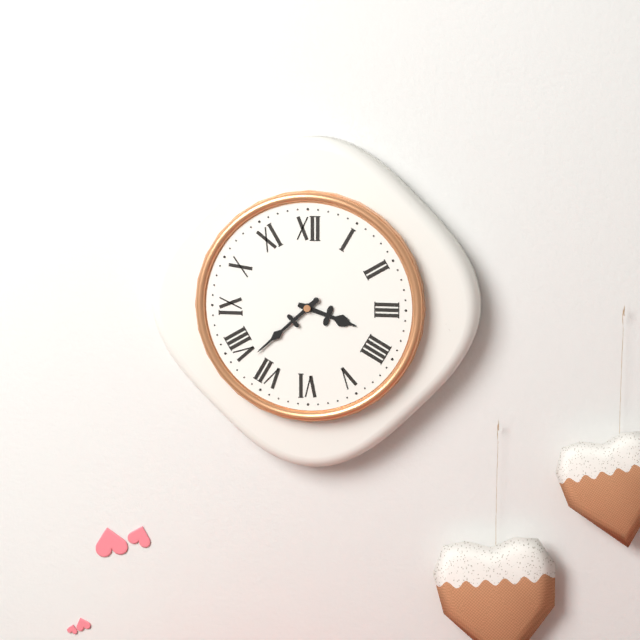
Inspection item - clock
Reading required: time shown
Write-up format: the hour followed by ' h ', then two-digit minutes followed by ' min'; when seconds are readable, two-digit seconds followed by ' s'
3 h 38 min
